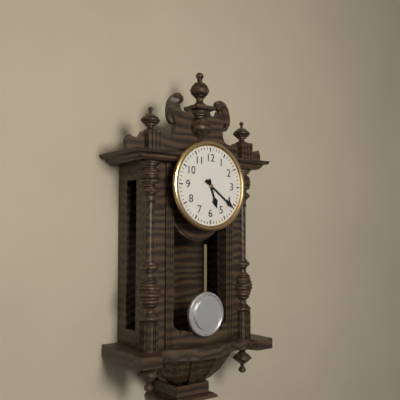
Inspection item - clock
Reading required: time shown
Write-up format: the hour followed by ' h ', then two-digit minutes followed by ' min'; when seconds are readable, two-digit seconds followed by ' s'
5 h 21 min
